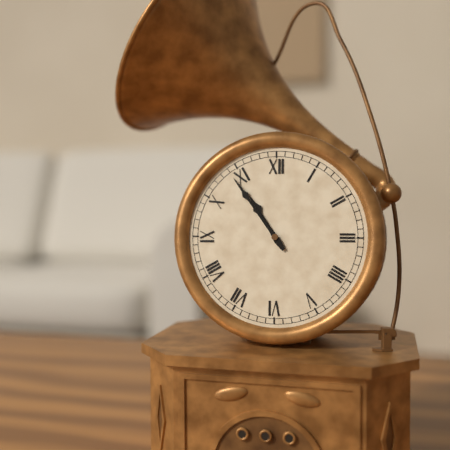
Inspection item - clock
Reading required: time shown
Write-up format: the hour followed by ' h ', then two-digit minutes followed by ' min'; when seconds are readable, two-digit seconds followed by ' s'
10 h 54 min
